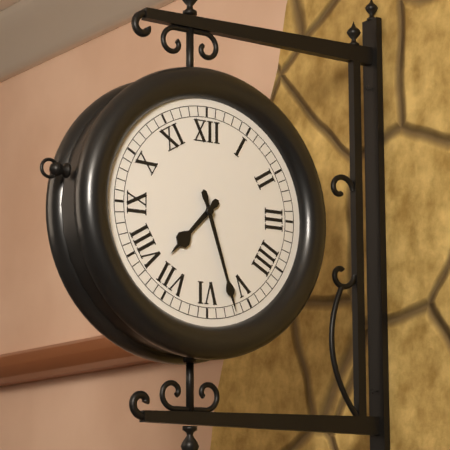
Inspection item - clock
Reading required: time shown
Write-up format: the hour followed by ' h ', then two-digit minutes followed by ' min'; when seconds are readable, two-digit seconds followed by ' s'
7 h 27 min
